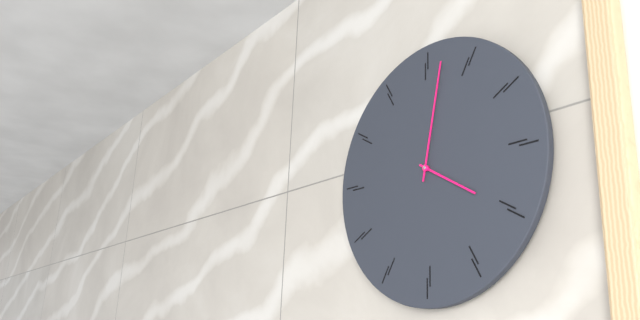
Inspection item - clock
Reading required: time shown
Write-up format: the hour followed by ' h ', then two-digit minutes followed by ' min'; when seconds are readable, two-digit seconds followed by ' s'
4 h 02 min
